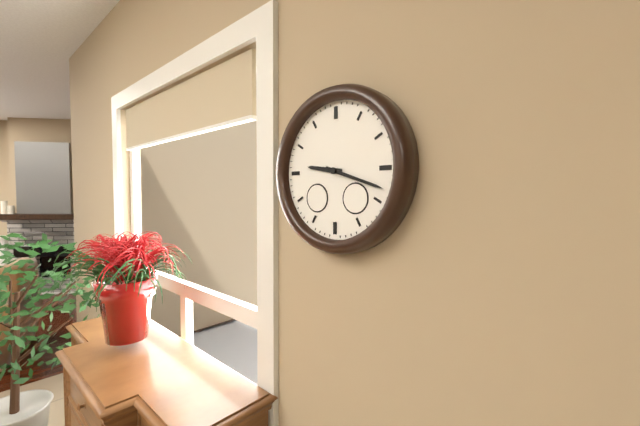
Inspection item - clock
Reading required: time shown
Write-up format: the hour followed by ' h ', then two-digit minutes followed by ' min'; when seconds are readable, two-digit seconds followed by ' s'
9 h 18 min
